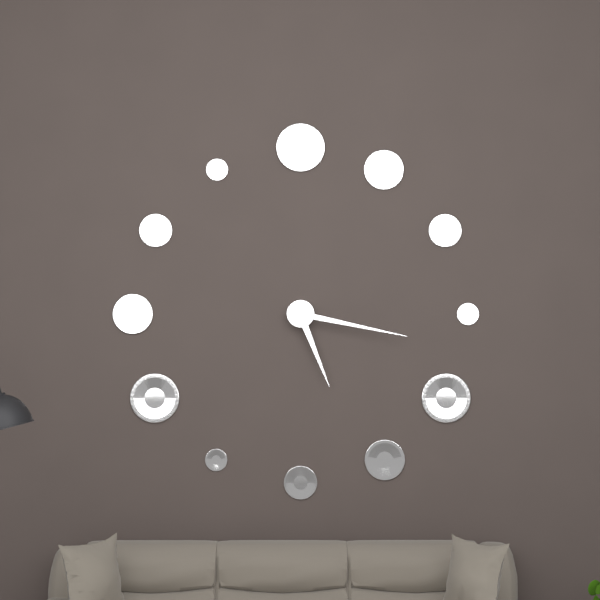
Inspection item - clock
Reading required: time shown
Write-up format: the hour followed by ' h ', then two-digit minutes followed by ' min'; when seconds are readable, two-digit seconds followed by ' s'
5 h 17 min
